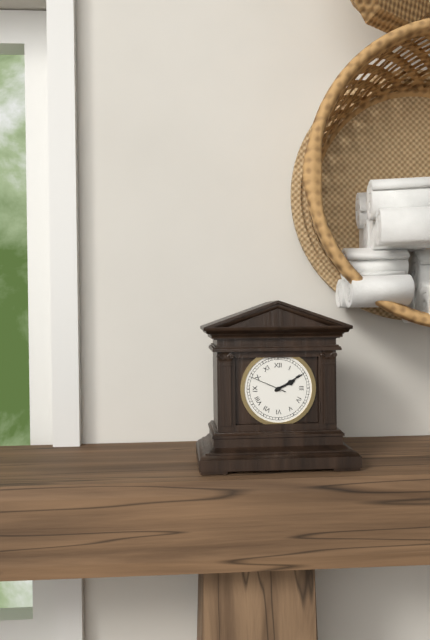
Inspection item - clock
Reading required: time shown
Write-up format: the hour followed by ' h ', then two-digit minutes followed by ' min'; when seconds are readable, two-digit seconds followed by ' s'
2 h 10 min
